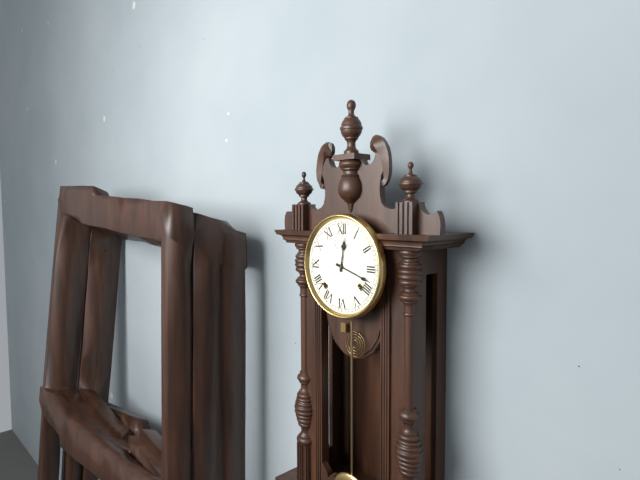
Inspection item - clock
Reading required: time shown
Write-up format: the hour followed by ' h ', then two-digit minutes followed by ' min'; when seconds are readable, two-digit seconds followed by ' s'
12 h 18 min
